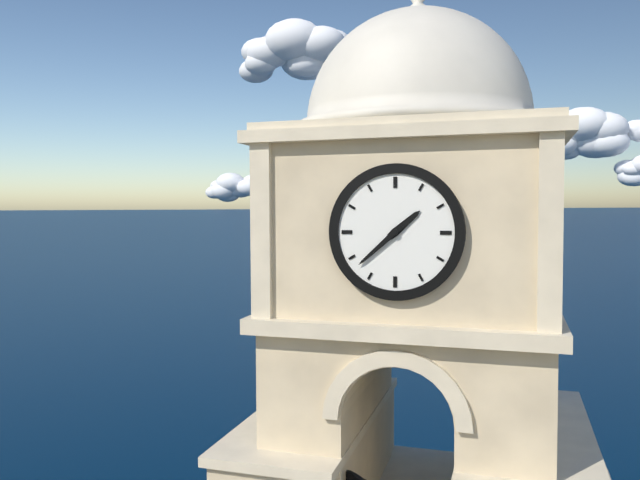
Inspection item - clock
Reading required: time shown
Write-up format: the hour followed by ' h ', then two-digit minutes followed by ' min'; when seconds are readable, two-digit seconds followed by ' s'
1 h 38 min
